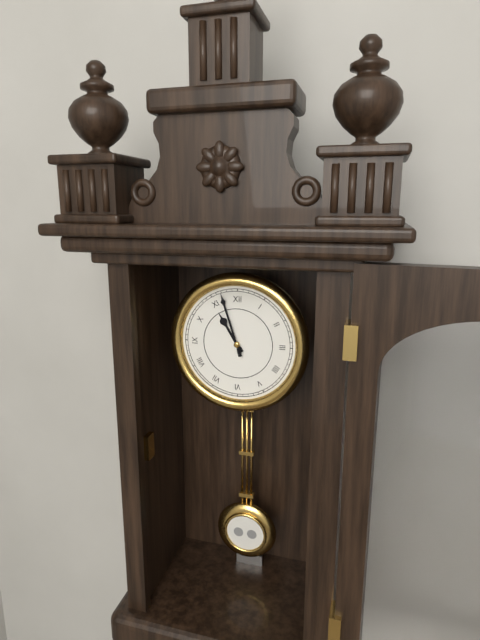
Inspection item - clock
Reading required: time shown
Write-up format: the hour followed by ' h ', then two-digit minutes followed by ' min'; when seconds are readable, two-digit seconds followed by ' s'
10 h 57 min
